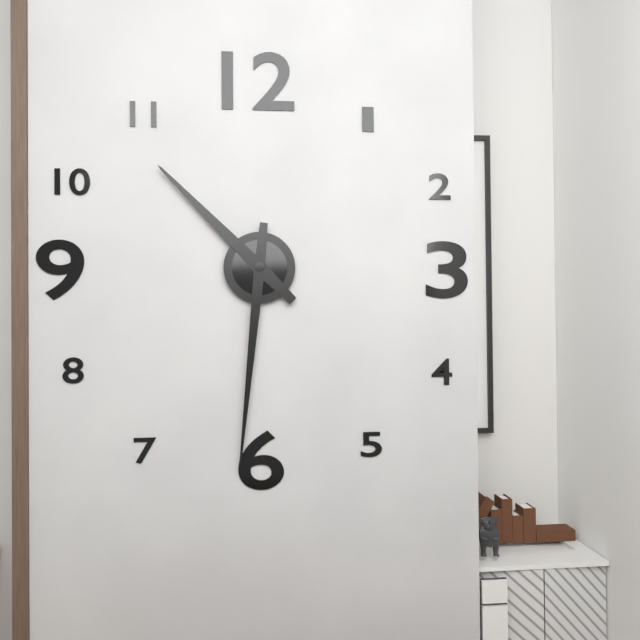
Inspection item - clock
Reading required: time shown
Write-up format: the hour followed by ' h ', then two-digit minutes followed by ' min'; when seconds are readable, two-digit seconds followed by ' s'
10 h 31 min
